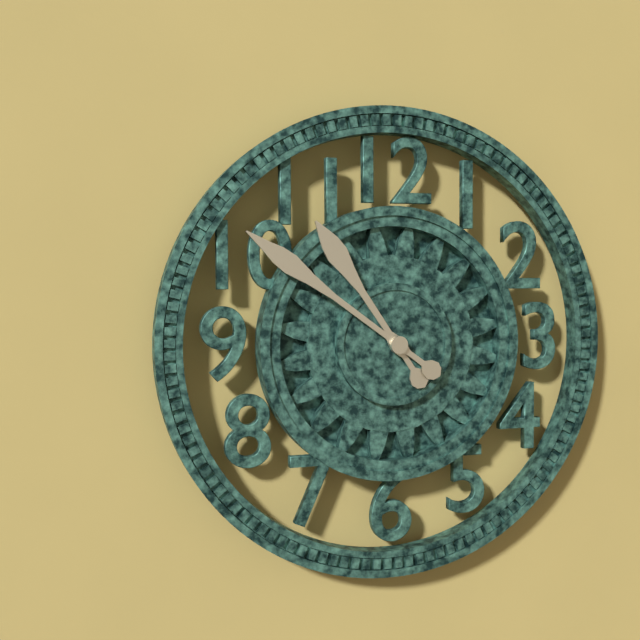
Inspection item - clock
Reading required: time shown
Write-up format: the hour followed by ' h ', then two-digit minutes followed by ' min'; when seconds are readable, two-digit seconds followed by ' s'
10 h 51 min
